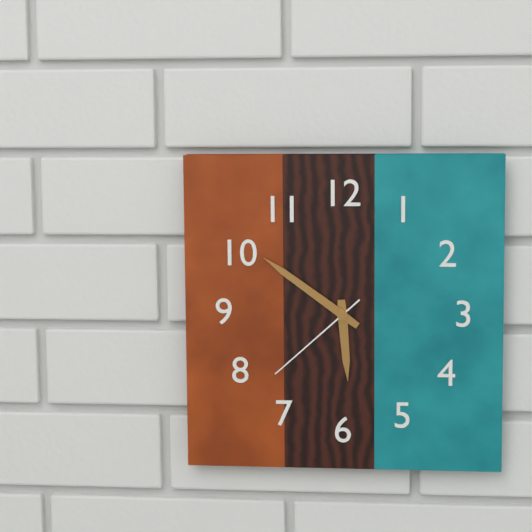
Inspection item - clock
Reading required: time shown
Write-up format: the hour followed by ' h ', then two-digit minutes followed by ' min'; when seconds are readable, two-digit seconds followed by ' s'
5 h 51 min 38 s
